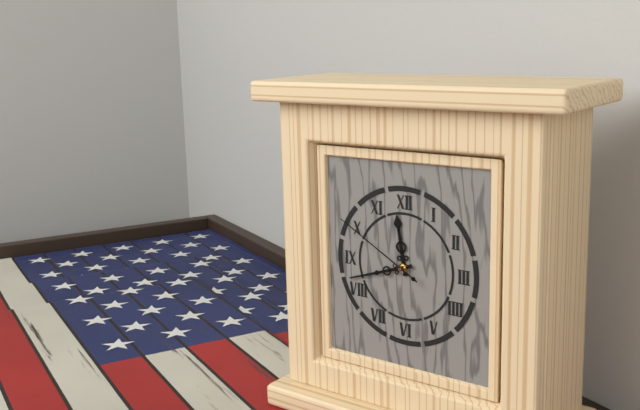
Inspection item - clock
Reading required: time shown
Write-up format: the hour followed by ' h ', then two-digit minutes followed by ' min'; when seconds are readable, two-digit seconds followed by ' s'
11 h 42 min 50 s
